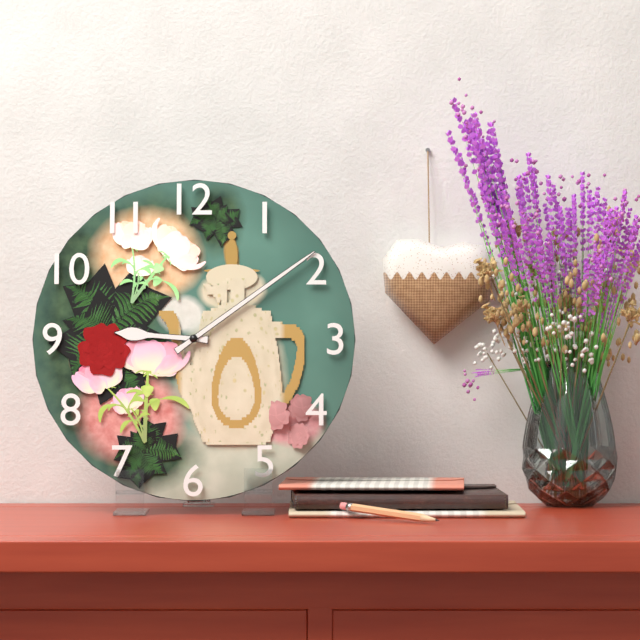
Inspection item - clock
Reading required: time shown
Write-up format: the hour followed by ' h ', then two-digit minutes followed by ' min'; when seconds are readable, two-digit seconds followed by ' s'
9 h 09 min
